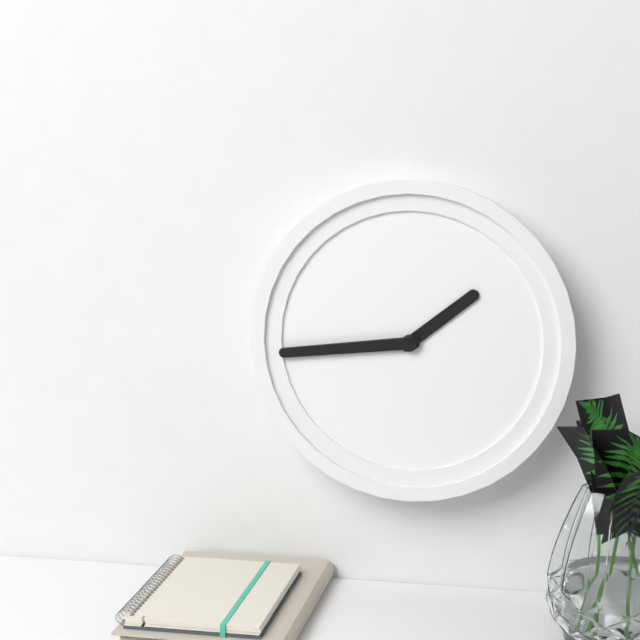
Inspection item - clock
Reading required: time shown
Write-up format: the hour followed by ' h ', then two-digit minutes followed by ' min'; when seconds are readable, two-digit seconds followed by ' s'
1 h 44 min
